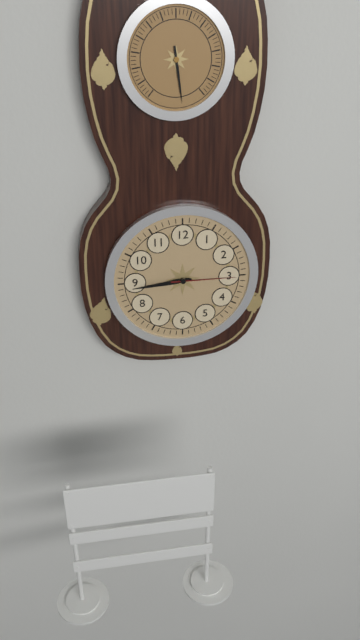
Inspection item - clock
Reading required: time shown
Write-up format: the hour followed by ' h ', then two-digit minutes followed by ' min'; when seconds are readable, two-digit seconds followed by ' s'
8 h 44 min 15 s
